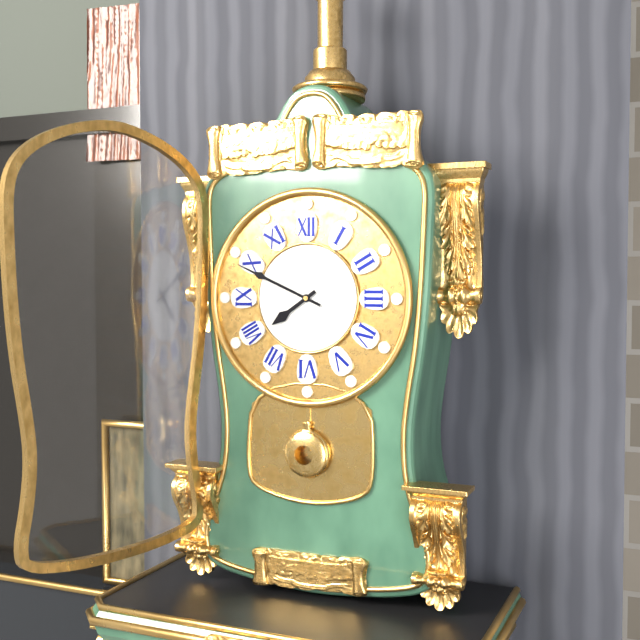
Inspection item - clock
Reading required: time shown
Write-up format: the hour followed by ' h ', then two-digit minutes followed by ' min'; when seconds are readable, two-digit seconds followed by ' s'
7 h 49 min
